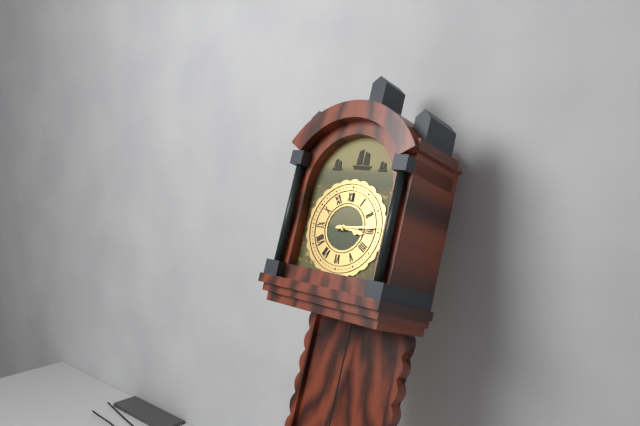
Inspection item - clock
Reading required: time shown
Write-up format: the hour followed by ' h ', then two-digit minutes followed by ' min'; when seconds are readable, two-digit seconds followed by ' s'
3 h 14 min
